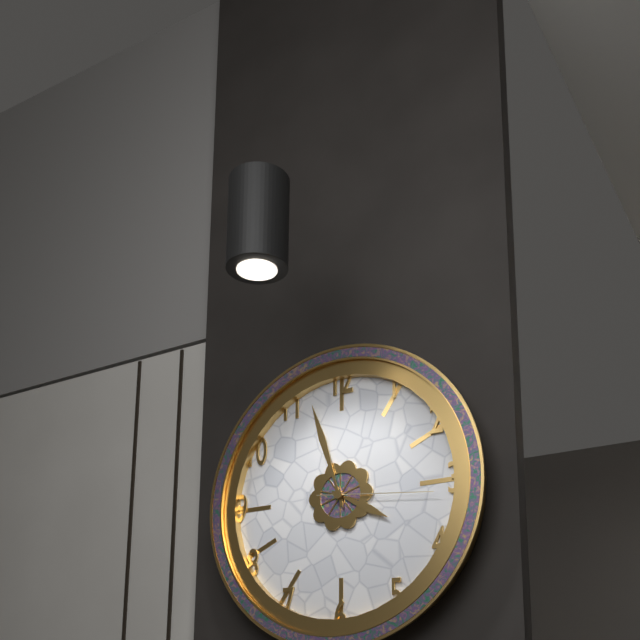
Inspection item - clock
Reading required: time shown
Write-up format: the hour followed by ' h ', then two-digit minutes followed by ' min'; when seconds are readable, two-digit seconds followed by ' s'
3 h 57 min 16 s
